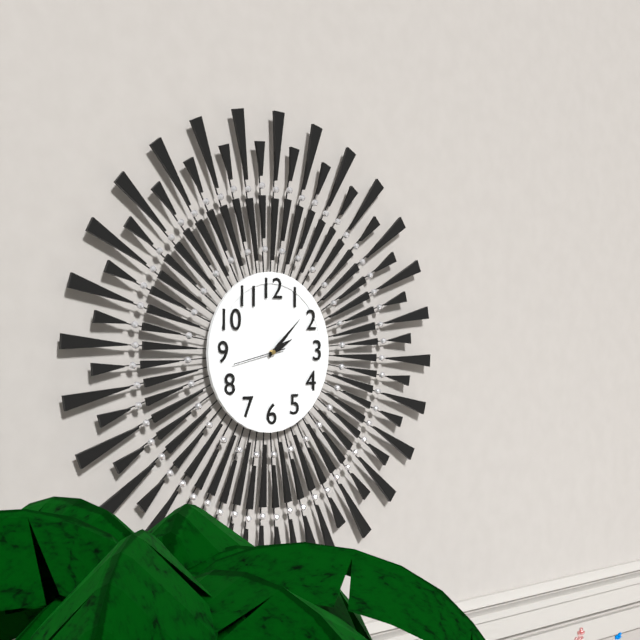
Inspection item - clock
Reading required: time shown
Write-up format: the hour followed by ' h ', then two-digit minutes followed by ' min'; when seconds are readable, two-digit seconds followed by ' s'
2 h 08 min
